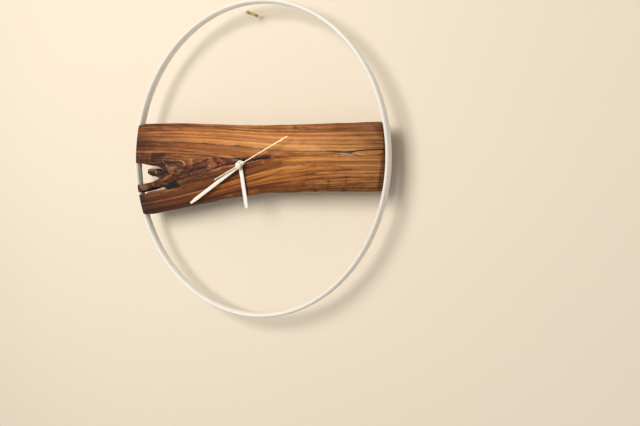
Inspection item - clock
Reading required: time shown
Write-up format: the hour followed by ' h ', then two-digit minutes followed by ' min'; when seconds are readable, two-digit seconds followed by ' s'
5 h 40 min 11 s
